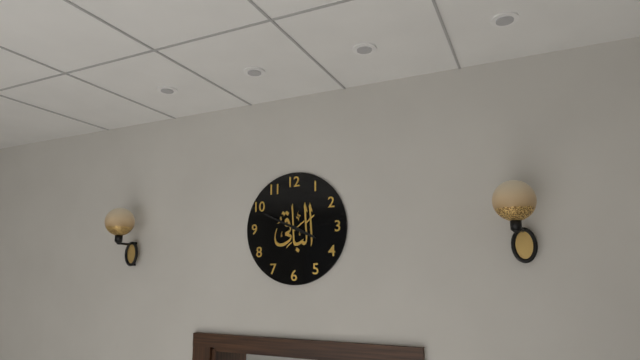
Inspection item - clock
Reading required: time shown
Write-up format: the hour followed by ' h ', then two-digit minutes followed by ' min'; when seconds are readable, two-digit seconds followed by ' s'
3 h 49 min
